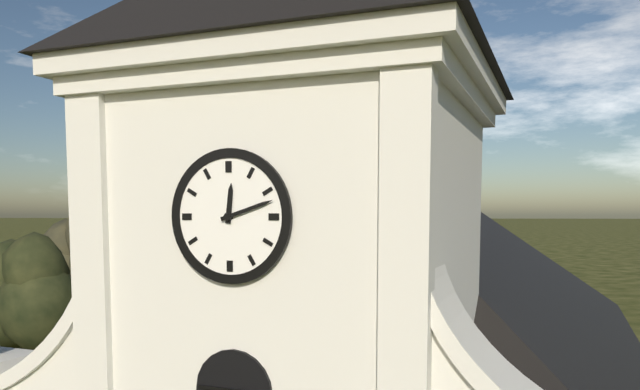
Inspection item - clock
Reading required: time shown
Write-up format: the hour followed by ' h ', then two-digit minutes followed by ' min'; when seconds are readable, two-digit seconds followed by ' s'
12 h 12 min
